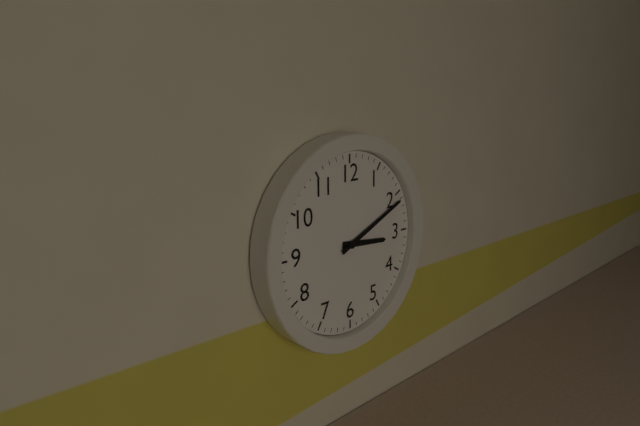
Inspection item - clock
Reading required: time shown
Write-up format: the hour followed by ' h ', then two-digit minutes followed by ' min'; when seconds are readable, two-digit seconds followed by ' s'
3 h 11 min
